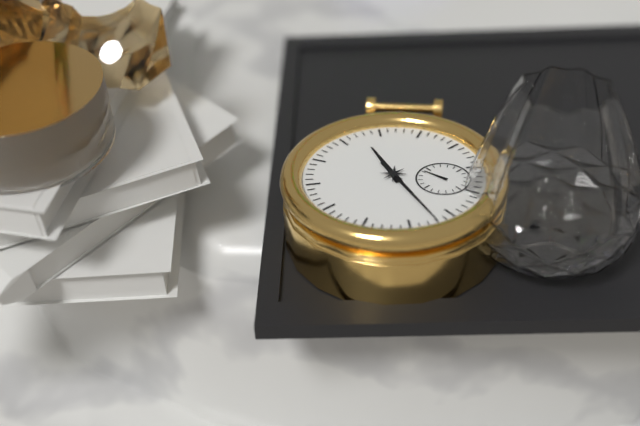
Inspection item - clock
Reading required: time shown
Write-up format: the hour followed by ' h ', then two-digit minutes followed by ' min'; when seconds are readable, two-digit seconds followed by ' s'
12 h 32 min
